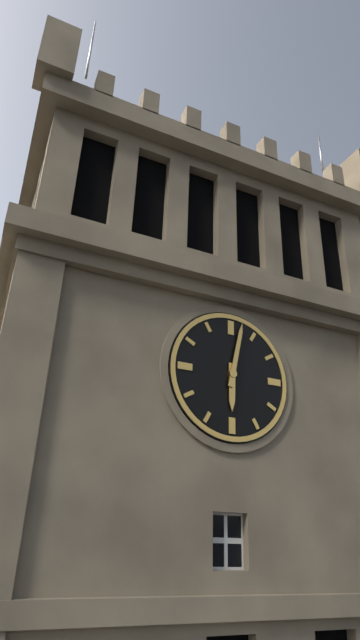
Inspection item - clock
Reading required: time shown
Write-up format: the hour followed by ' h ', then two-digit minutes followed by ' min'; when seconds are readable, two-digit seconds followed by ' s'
6 h 02 min
